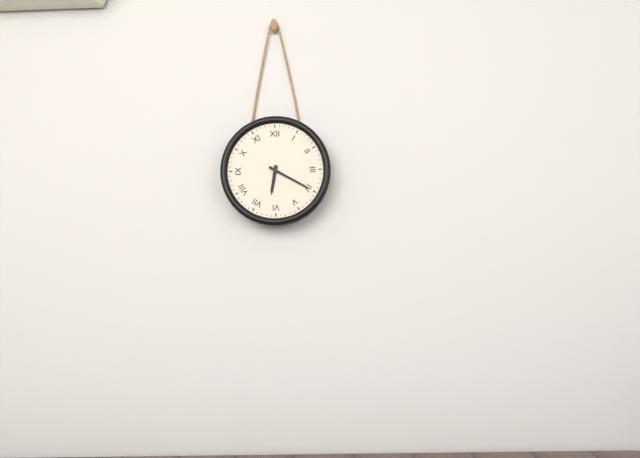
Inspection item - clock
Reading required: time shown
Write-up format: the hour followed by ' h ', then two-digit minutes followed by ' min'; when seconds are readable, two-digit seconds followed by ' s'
6 h 20 min
